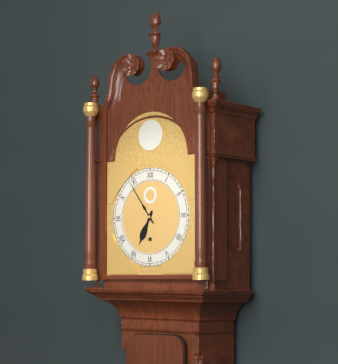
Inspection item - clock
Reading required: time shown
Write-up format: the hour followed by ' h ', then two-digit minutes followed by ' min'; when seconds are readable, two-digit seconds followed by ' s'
6 h 54 min
